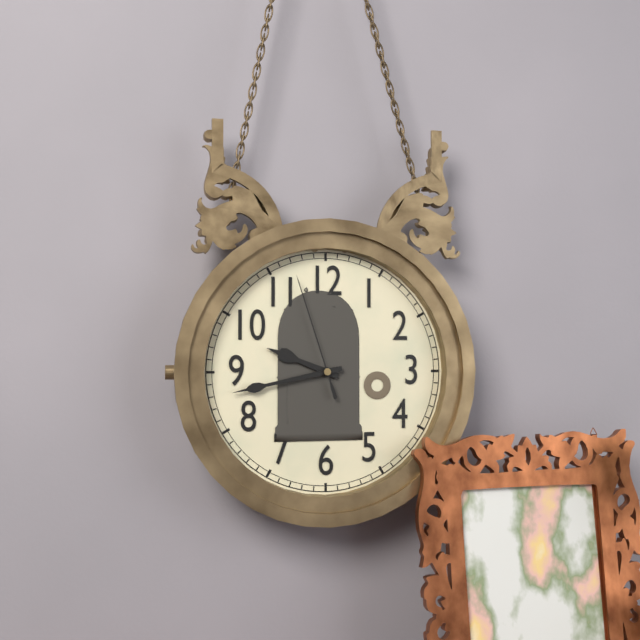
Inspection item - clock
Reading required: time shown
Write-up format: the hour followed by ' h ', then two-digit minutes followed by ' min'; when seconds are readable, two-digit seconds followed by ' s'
9 h 43 min 57 s
